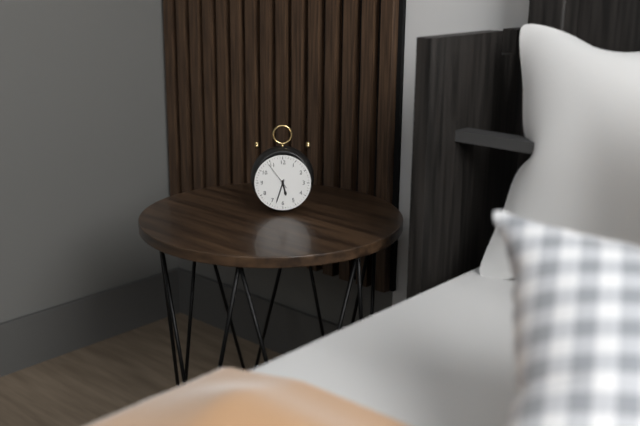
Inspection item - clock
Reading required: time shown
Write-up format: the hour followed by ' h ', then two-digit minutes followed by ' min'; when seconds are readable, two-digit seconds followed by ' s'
5 h 33 min
